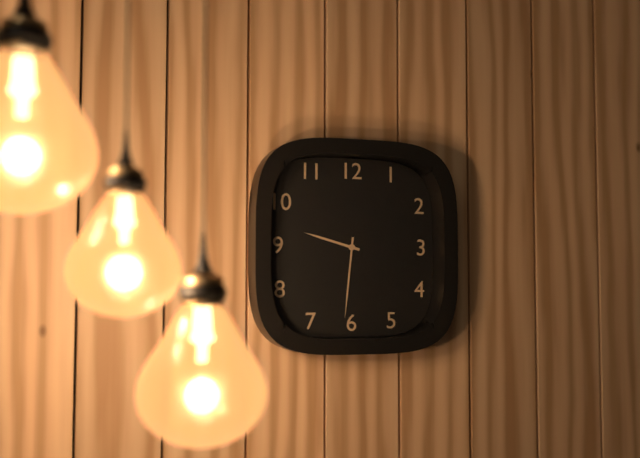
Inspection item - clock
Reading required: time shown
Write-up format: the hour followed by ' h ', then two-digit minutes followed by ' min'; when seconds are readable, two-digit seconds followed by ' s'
9 h 31 min
